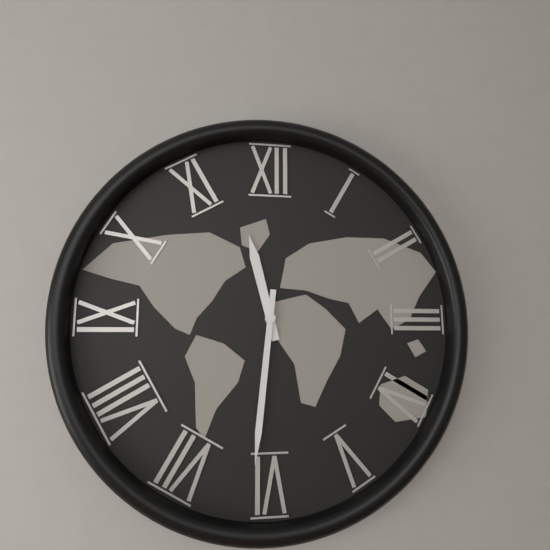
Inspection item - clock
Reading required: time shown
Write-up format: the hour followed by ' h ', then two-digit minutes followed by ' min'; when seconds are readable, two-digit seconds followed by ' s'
11 h 31 min
